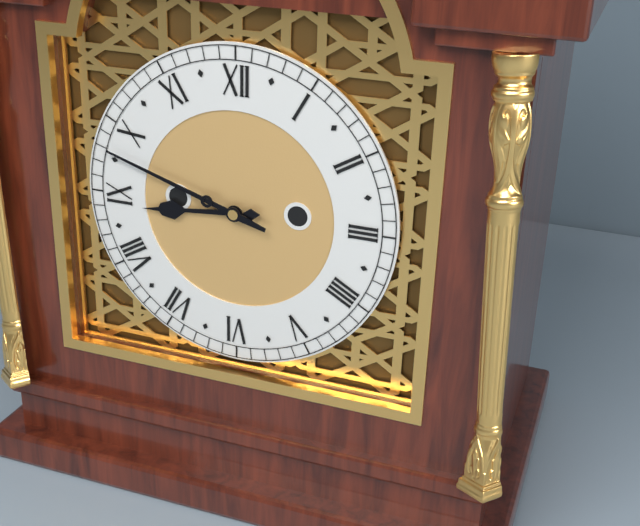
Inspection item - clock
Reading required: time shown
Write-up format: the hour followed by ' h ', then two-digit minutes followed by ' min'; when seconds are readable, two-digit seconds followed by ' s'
8 h 48 min
